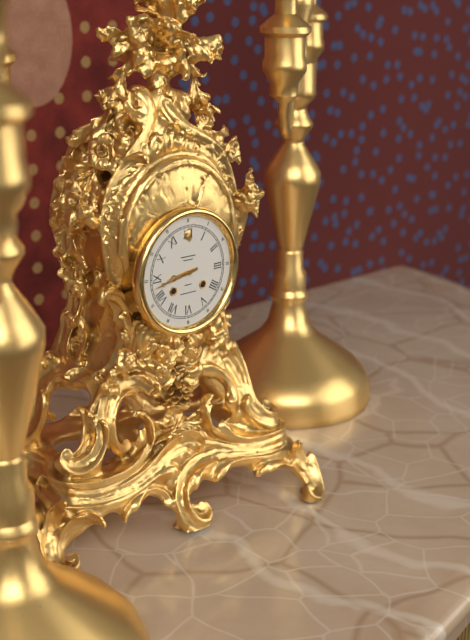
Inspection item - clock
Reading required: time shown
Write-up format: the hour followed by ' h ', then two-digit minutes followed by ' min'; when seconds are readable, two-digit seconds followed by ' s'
8 h 43 min
